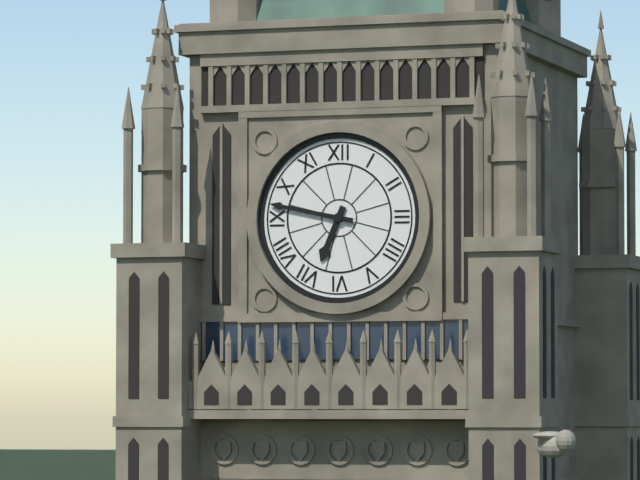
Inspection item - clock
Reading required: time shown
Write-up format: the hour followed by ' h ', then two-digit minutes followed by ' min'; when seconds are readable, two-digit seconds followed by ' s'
6 h 47 min
